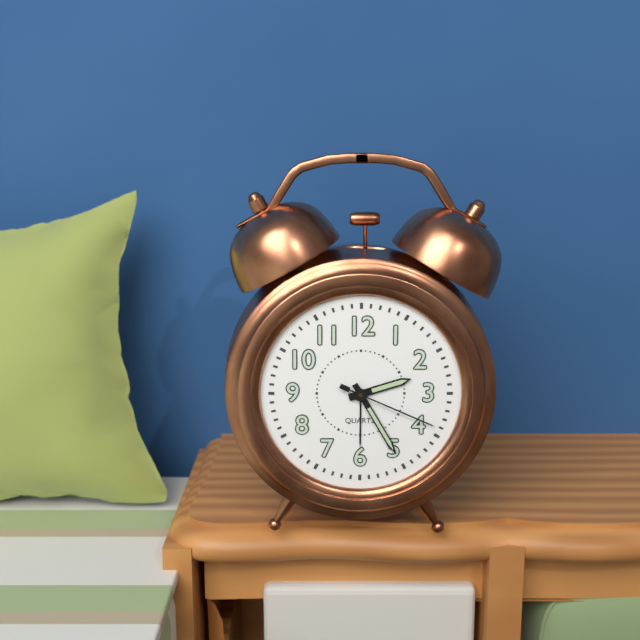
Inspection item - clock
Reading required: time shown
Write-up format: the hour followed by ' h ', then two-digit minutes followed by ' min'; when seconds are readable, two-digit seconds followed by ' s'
2 h 25 min 19 s
